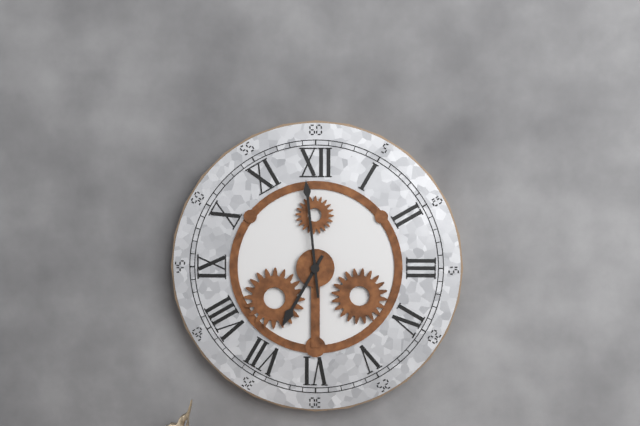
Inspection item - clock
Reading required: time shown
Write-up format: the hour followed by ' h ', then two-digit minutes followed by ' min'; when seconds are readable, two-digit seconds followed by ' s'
6 h 59 min
